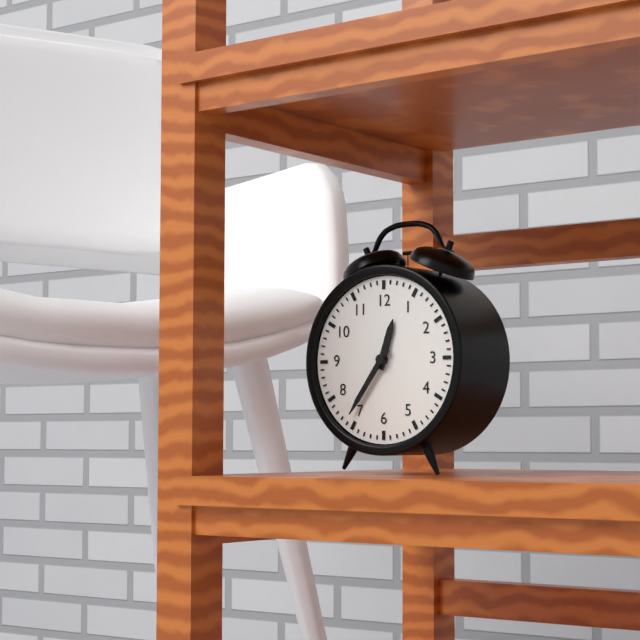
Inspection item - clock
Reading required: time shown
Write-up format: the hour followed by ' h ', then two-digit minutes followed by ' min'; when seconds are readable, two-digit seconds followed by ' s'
12 h 36 min
